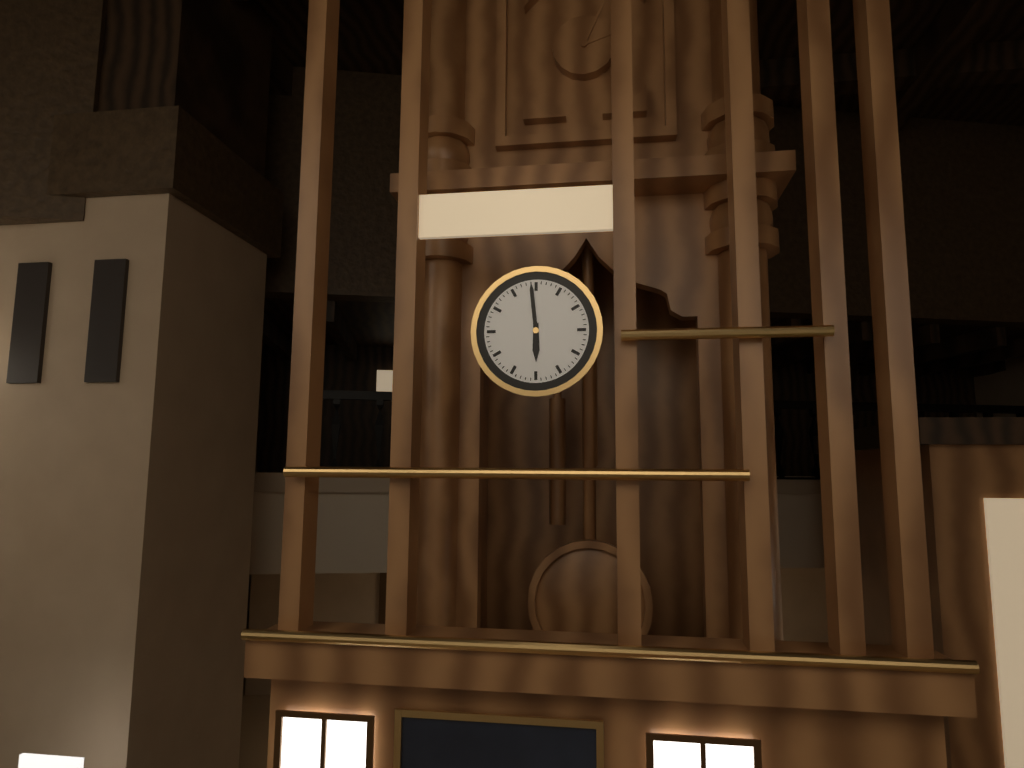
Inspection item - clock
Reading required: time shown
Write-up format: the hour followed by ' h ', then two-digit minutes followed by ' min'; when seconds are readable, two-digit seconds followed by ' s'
5 h 59 min
